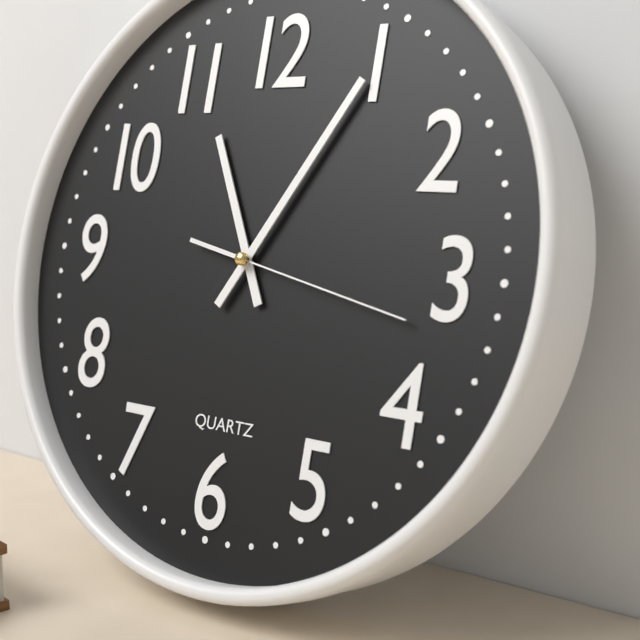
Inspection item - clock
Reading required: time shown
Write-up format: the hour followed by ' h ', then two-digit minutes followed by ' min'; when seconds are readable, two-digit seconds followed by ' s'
11 h 05 min 17 s
